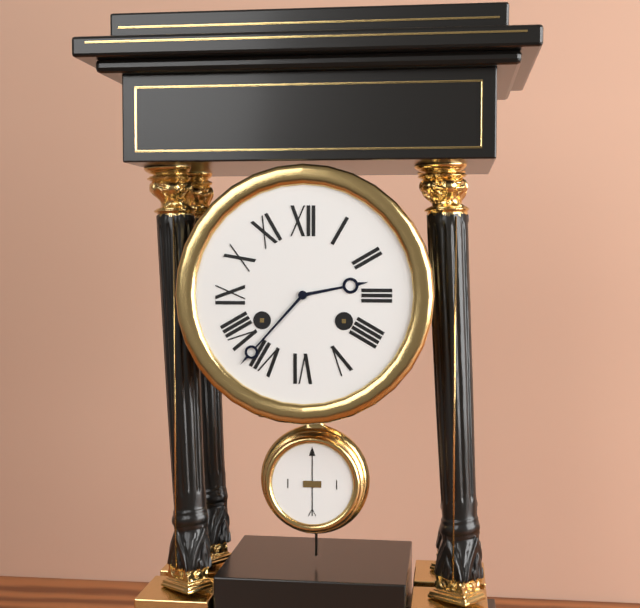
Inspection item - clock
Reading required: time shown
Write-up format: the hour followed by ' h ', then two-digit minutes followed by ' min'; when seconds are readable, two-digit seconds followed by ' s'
2 h 37 min
